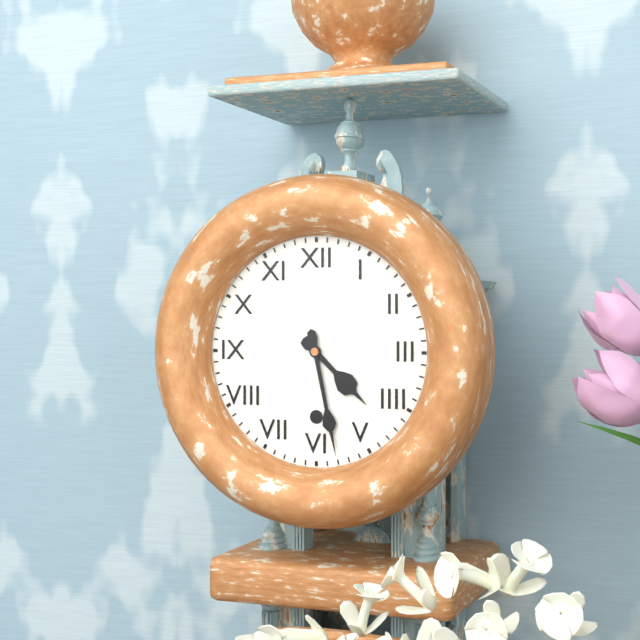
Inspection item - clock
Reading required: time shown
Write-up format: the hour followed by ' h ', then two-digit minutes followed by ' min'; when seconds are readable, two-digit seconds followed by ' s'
4 h 28 min
